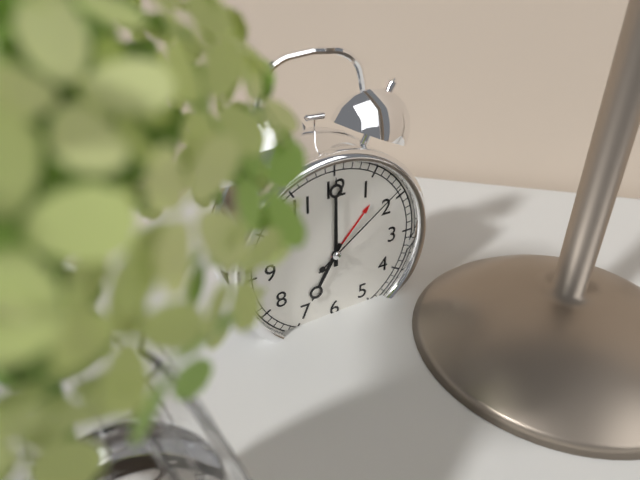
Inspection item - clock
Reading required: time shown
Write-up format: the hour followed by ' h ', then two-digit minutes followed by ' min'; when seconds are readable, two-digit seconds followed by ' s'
7 h 00 min 09 s
